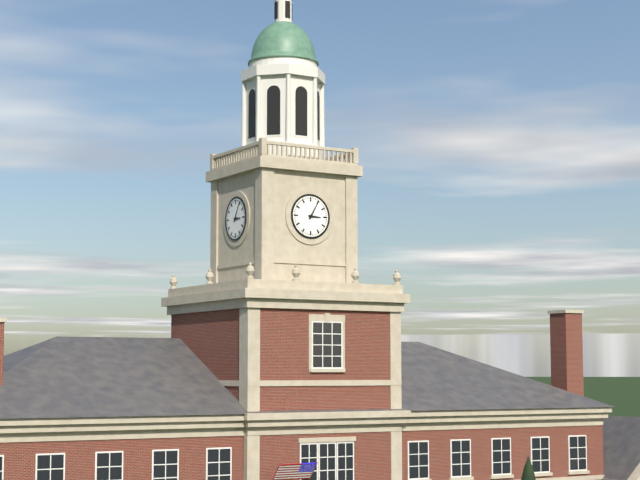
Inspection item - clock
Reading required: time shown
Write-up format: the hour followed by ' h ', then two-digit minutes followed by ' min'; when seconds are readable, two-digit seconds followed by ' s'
3 h 05 min
